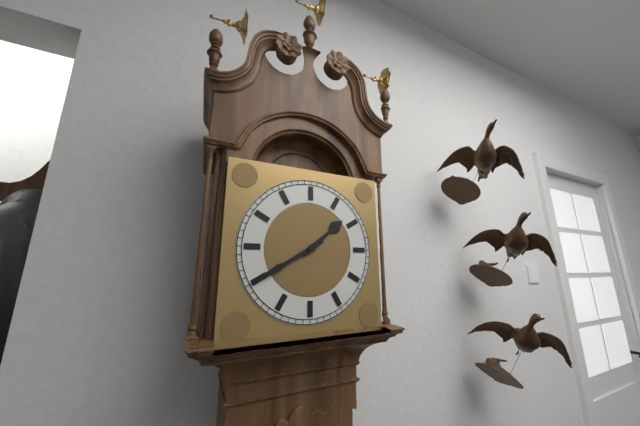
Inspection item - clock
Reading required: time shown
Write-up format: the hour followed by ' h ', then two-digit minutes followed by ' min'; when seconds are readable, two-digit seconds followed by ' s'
1 h 40 min
